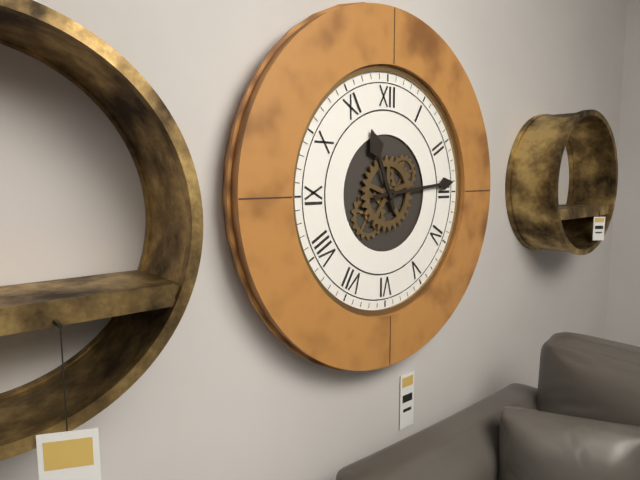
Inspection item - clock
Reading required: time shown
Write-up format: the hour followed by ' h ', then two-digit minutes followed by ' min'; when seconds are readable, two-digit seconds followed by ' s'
11 h 14 min
